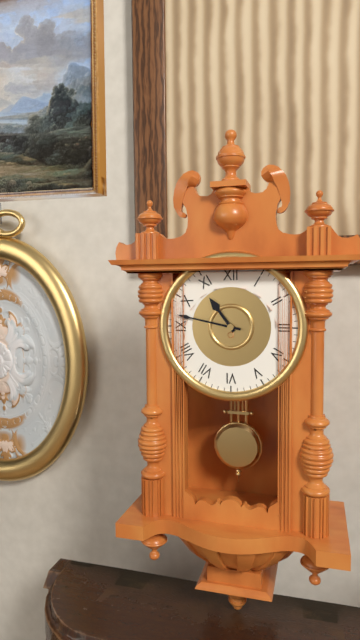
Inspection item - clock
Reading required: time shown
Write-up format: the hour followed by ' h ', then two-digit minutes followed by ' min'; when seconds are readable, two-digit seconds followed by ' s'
10 h 47 min
